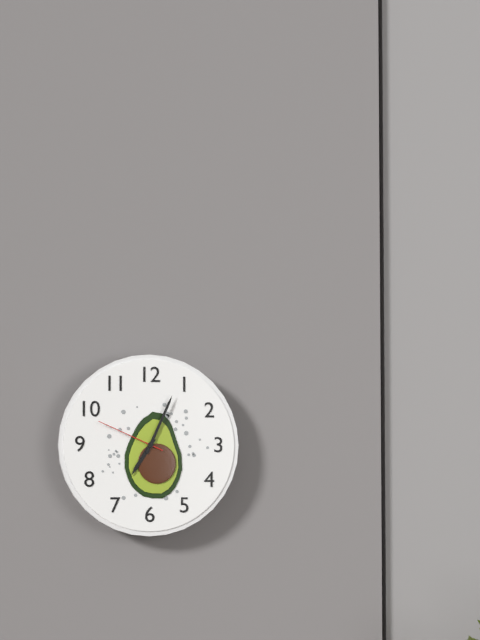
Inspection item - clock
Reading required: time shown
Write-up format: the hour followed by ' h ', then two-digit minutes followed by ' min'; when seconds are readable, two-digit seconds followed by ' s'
7 h 04 min 49 s
